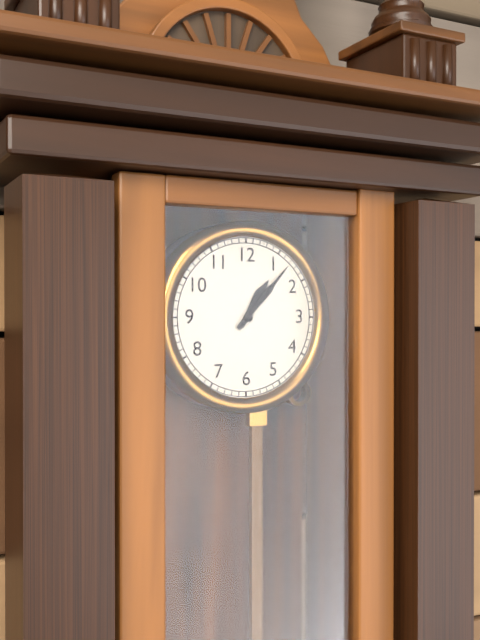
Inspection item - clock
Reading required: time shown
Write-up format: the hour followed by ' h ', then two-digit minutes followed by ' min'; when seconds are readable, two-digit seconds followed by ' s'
1 h 07 min
